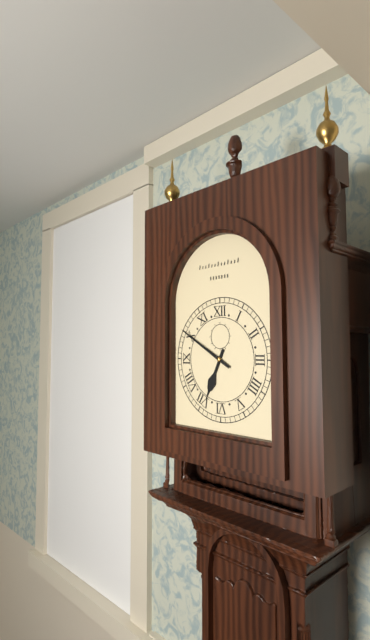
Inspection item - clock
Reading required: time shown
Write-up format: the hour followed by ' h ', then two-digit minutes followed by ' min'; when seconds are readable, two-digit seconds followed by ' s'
6 h 50 min
